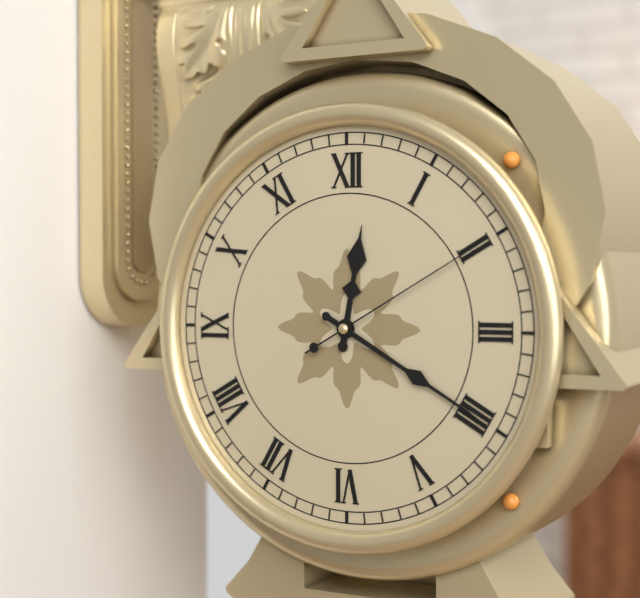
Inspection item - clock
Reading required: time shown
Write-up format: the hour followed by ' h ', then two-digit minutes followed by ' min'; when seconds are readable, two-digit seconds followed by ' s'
12 h 20 min 10 s
